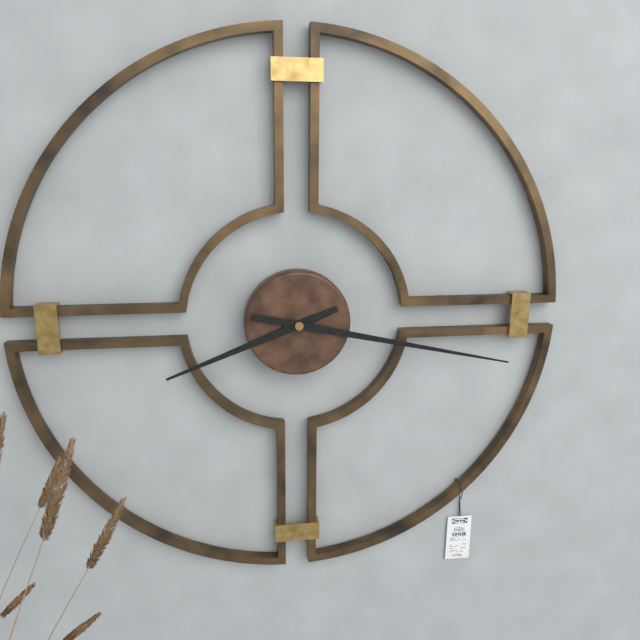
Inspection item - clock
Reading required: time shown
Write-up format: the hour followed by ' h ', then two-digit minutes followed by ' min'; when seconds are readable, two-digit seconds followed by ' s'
8 h 17 min
